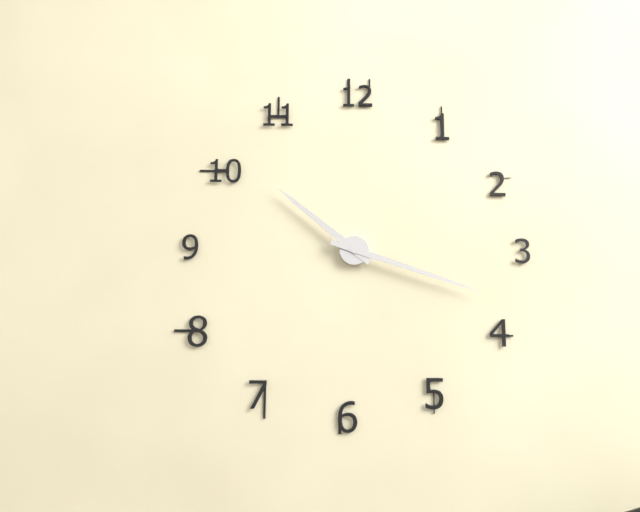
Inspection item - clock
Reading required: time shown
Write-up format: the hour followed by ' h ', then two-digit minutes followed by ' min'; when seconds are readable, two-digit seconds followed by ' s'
10 h 18 min
